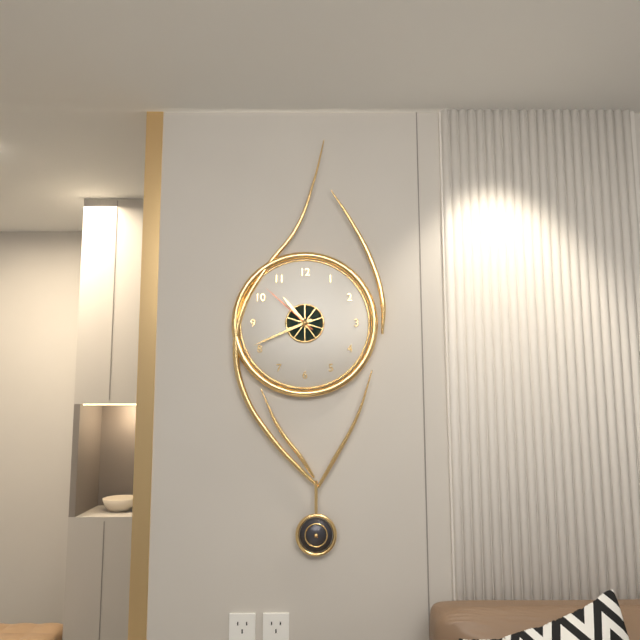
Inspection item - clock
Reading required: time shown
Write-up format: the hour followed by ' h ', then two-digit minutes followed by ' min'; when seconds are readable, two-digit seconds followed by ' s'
10 h 41 min 52 s
